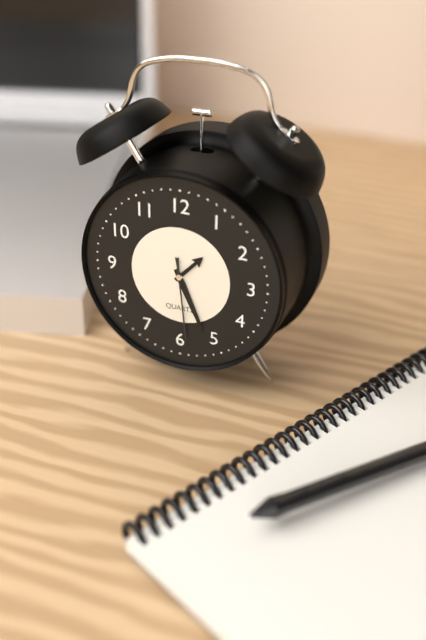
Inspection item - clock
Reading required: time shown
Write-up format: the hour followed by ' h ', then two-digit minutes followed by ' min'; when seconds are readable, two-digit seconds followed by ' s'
1 h 26 min 29 s
